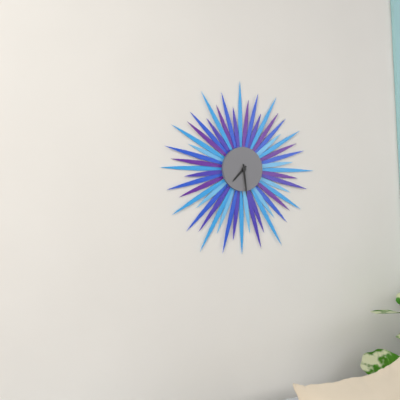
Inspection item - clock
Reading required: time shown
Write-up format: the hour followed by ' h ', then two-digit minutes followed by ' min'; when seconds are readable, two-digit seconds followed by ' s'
7 h 29 min
